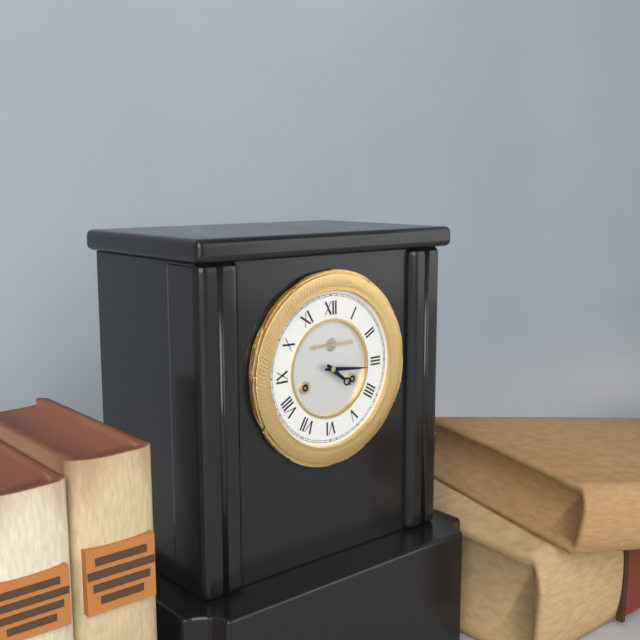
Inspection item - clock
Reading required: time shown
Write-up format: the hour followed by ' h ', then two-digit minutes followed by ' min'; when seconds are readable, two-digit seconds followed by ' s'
4 h 16 min
